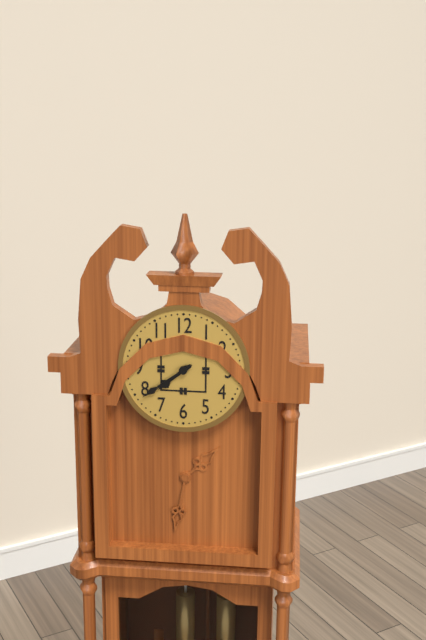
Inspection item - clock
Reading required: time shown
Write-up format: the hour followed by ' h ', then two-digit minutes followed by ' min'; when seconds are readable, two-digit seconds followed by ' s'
7 h 39 min
